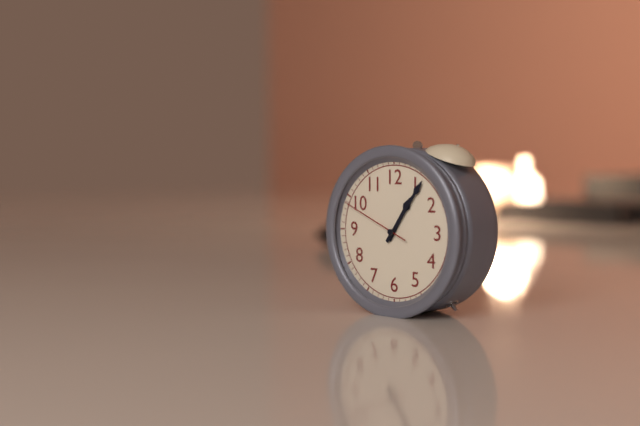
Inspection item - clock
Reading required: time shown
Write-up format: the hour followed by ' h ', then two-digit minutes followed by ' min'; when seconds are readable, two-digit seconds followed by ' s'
1 h 06 min 49 s
